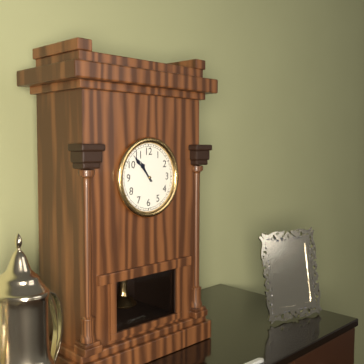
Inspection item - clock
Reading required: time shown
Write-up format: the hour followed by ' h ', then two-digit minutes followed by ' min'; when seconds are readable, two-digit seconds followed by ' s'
10 h 53 min
